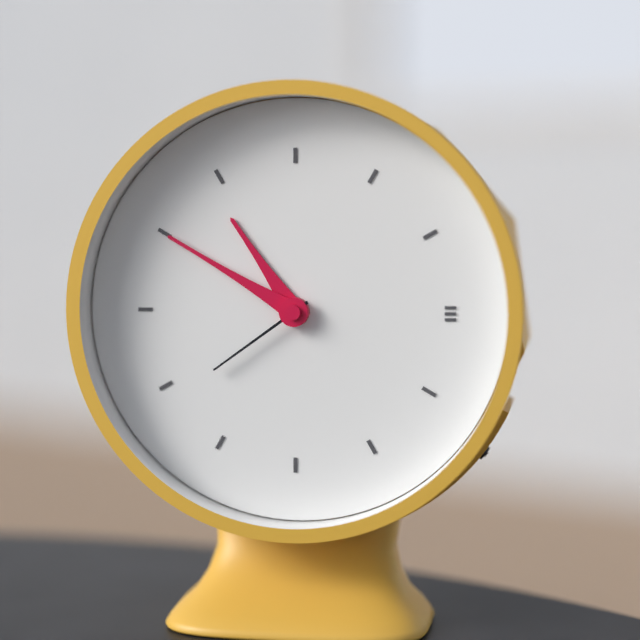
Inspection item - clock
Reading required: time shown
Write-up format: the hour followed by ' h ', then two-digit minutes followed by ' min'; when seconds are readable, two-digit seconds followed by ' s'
10 h 50 min 39 s
